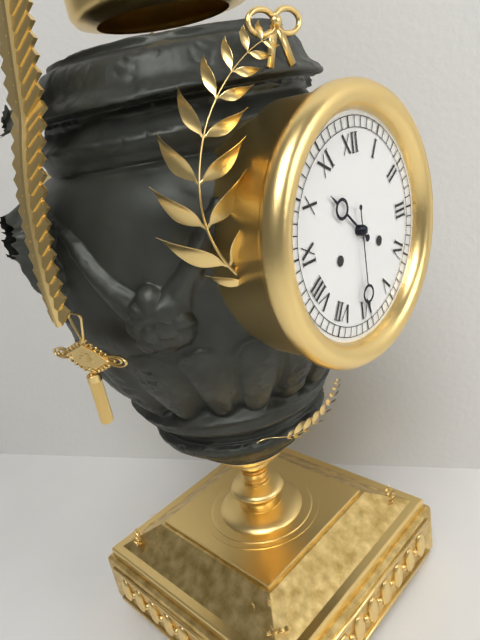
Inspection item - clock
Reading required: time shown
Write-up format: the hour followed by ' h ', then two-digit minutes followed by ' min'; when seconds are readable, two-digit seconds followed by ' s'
10 h 30 min
